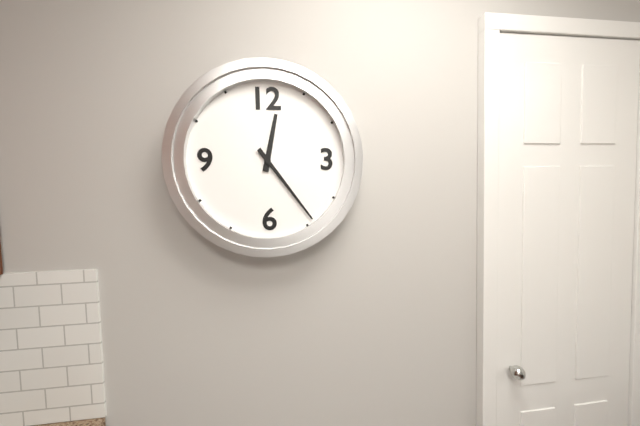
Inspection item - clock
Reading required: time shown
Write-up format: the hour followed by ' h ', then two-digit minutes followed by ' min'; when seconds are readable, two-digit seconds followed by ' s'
12 h 24 min
